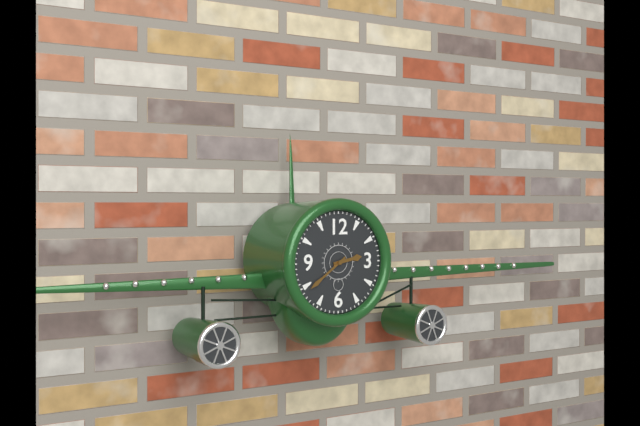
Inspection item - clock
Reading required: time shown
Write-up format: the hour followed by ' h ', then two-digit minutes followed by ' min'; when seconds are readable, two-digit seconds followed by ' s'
2 h 39 min
